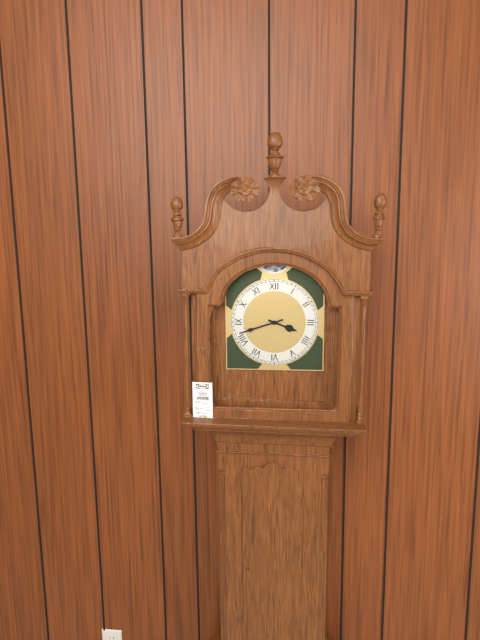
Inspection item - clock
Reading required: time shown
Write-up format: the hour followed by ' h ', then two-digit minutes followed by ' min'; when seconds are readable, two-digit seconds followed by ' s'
3 h 42 min
